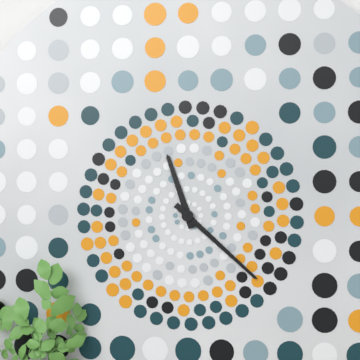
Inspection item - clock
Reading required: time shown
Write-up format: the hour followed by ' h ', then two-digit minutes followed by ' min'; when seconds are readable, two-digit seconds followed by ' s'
11 h 22 min
